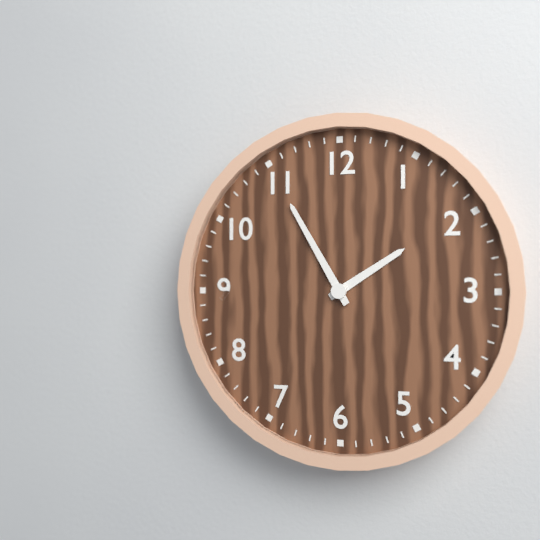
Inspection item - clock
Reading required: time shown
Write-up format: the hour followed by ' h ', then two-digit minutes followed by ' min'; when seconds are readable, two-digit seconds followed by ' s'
1 h 55 min
